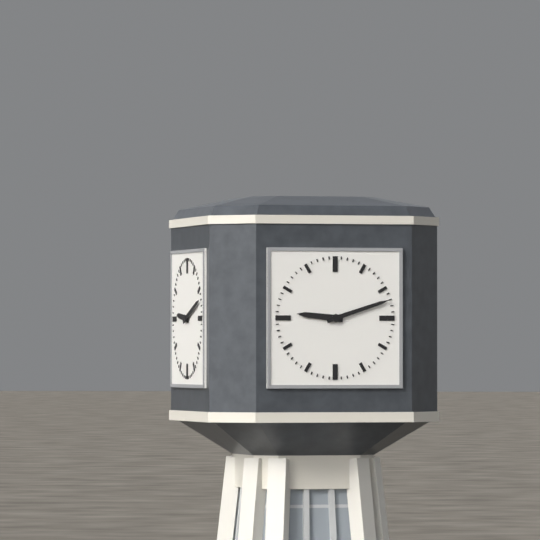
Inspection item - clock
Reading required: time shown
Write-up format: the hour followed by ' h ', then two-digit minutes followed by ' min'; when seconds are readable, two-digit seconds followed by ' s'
9 h 12 min
